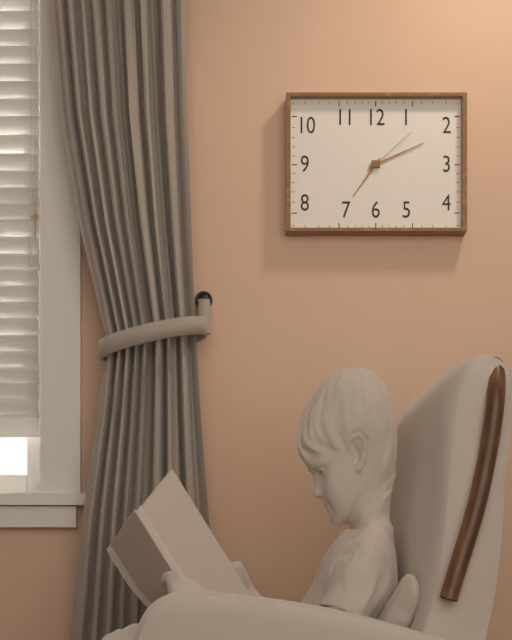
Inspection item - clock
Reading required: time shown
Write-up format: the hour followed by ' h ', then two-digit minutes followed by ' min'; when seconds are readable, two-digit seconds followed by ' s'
7 h 11 min 08 s
